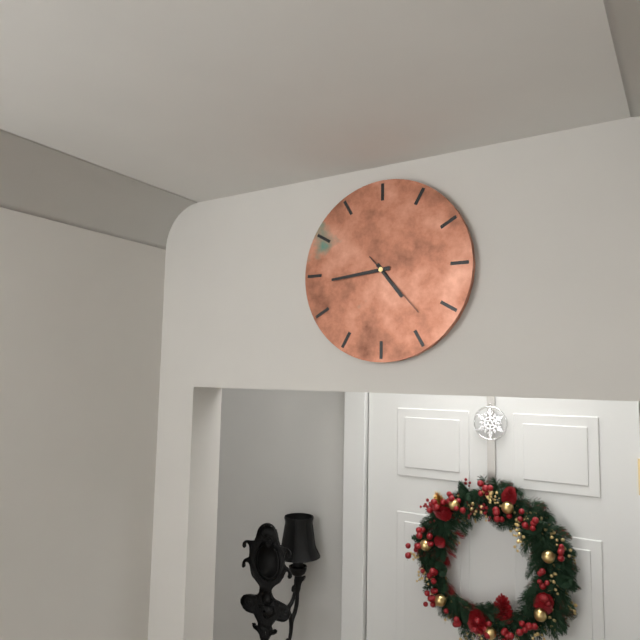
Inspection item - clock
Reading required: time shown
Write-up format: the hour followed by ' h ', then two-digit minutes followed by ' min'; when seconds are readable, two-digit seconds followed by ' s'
4 h 44 min 23 s
